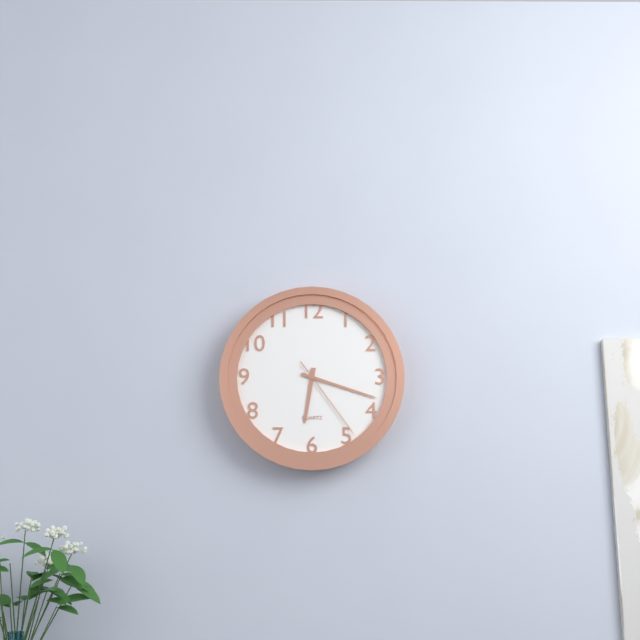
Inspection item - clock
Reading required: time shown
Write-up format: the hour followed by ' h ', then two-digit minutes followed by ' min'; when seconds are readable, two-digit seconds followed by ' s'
6 h 18 min 24 s
